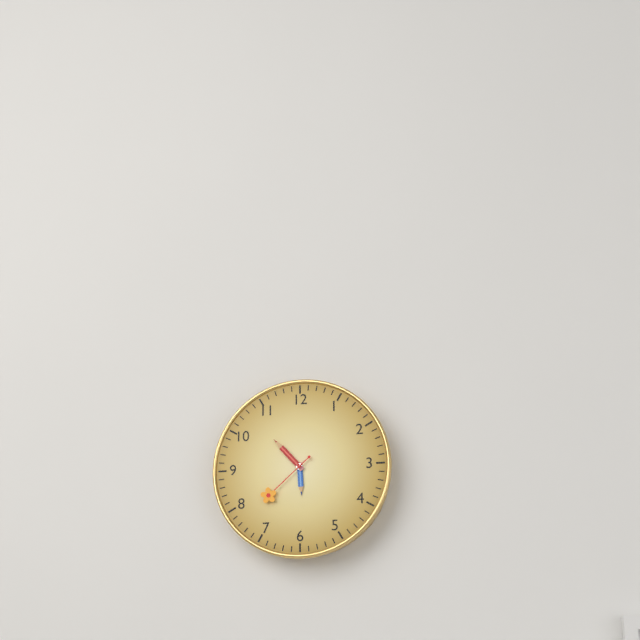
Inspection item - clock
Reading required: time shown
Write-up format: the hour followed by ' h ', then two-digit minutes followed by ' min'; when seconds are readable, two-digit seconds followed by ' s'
5 h 53 min 38 s
